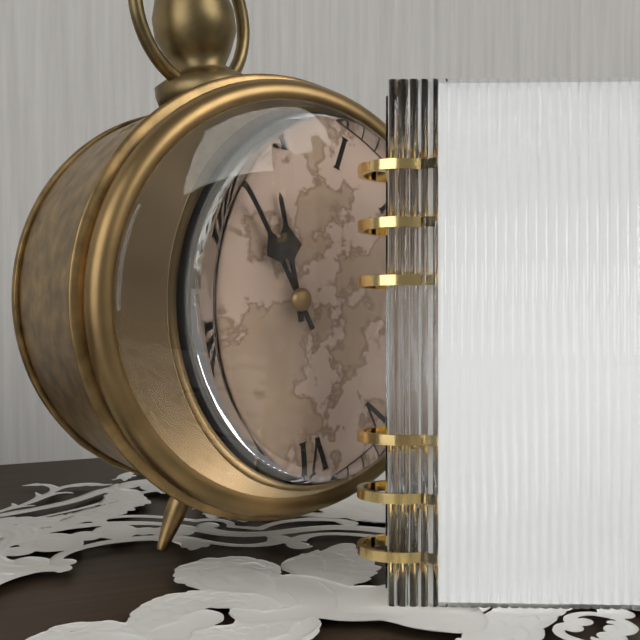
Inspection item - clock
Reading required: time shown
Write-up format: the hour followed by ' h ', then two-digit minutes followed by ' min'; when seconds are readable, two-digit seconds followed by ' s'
11 h 57 min
